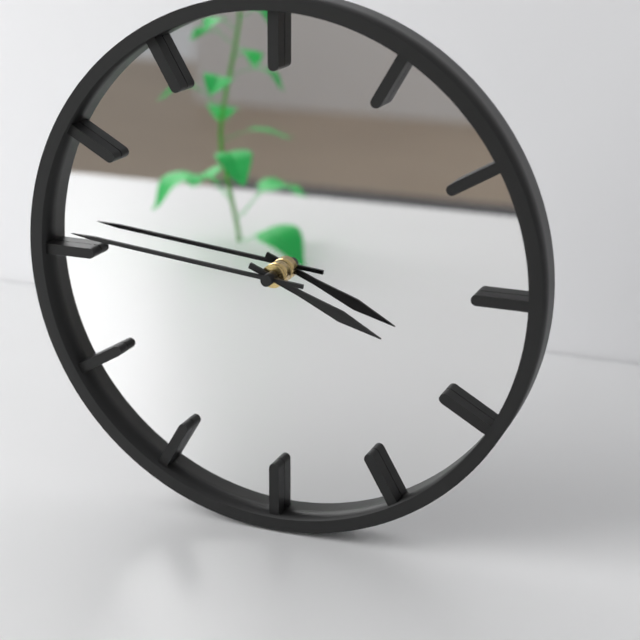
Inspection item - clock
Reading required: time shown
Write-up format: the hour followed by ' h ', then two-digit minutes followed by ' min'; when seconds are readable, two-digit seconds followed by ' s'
3 h 46 min
